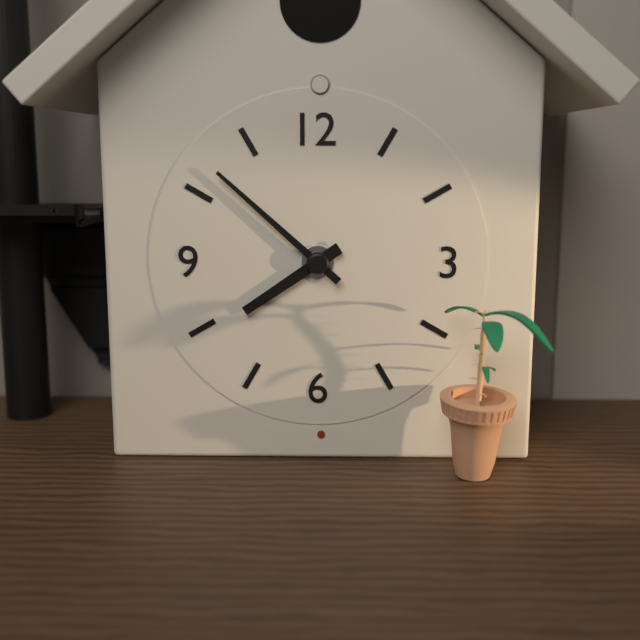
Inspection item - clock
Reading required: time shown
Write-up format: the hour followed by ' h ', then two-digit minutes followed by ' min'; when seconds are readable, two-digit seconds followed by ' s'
7 h 52 min
